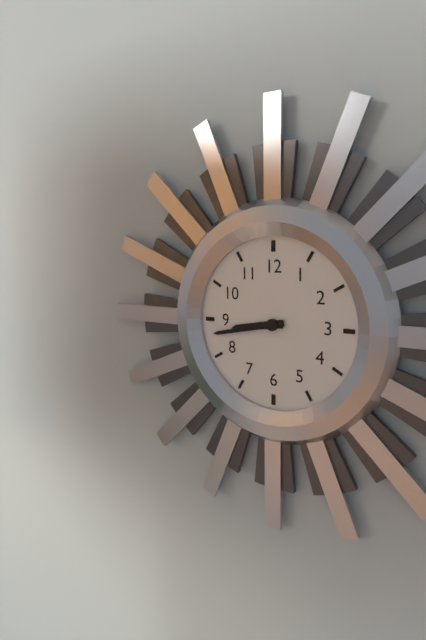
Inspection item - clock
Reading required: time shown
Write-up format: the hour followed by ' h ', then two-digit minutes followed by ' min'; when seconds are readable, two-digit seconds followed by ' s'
8 h 43 min
